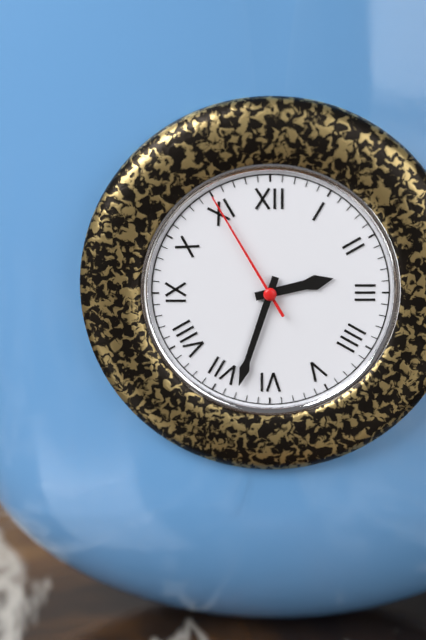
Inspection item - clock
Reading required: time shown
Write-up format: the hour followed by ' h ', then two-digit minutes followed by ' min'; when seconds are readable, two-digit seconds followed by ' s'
2 h 33 min 55 s
